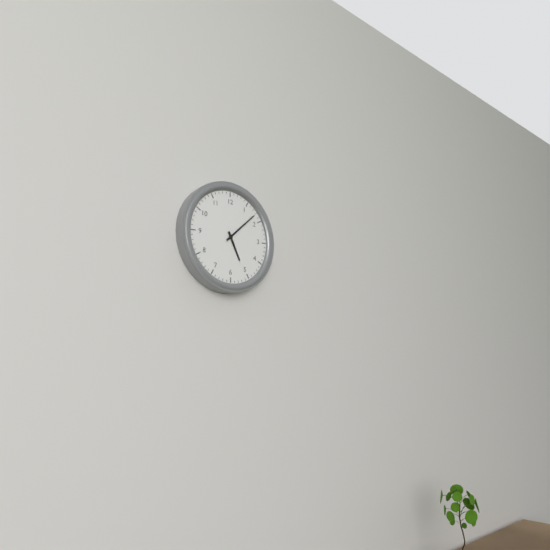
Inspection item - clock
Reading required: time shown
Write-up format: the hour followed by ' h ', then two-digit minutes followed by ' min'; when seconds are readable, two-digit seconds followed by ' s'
5 h 08 min
